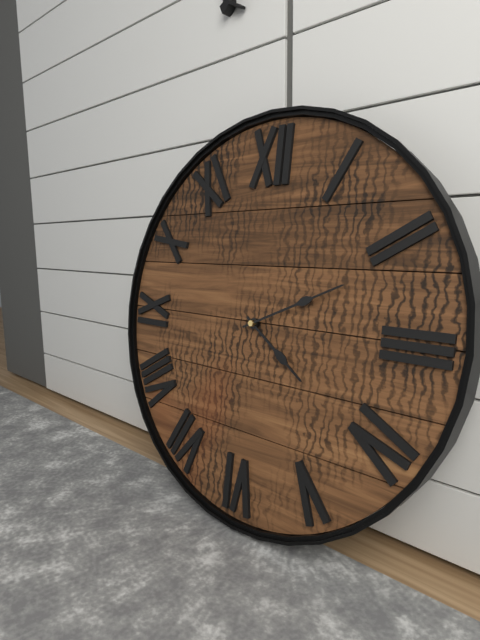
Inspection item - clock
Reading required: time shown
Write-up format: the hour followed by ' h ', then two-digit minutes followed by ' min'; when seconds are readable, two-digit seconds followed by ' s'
4 h 11 min
